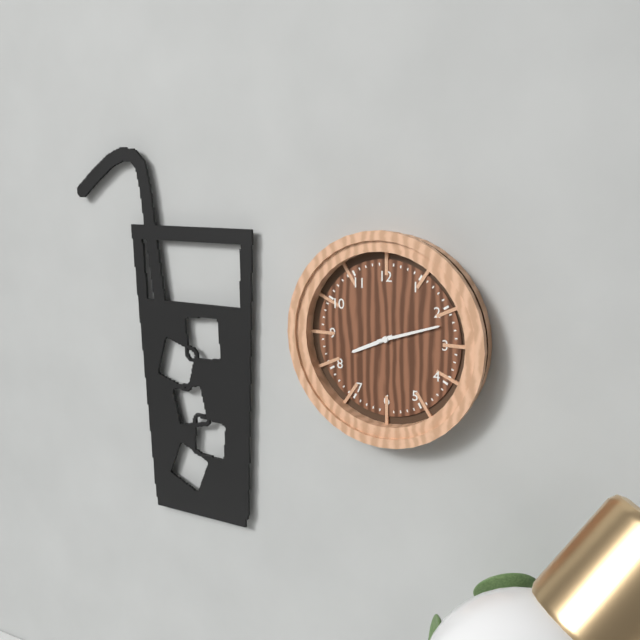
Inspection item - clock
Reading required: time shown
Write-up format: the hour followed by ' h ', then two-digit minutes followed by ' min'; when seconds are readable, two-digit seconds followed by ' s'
8 h 12 min
